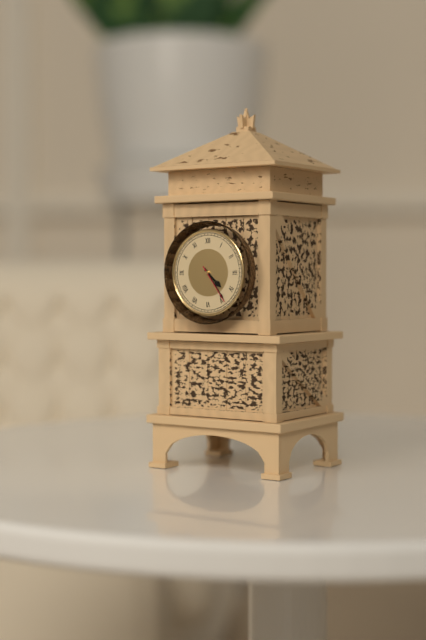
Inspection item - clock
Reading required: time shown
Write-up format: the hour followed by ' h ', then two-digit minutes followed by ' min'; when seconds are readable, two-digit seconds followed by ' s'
4 h 24 min
